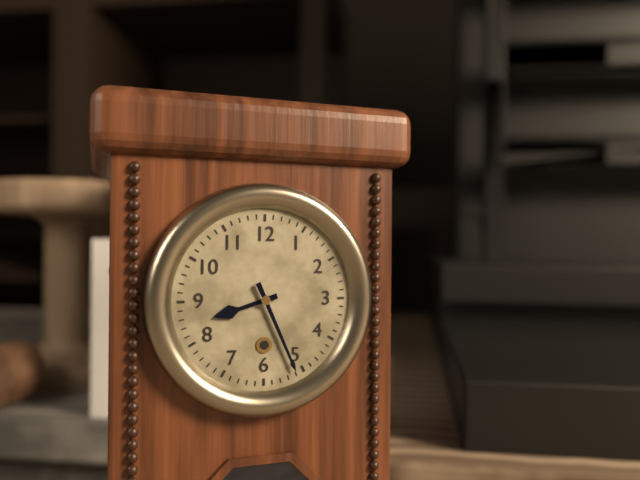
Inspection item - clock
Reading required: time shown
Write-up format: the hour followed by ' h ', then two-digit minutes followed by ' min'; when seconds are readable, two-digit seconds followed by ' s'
8 h 26 min
